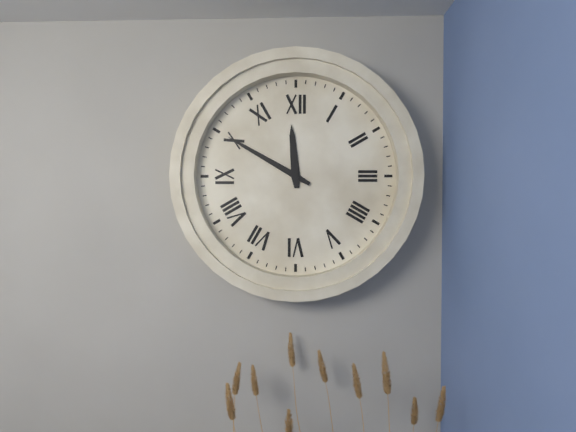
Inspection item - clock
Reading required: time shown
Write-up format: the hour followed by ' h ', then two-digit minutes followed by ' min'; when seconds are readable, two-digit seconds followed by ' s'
11 h 50 min
